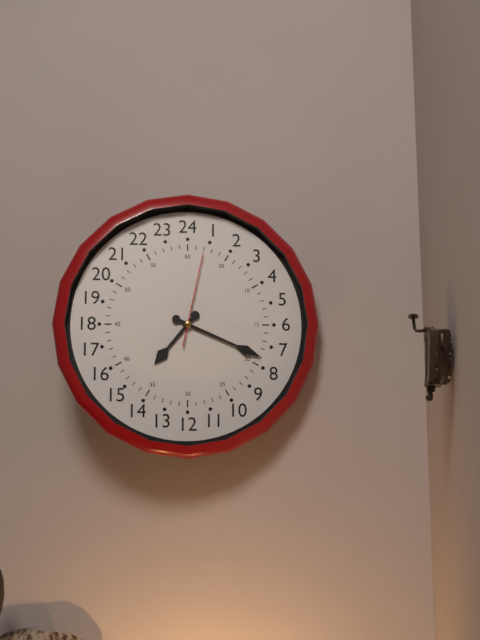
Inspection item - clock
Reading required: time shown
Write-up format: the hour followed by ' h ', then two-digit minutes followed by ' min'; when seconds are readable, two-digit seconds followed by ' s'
7 h 19 min 02 s
